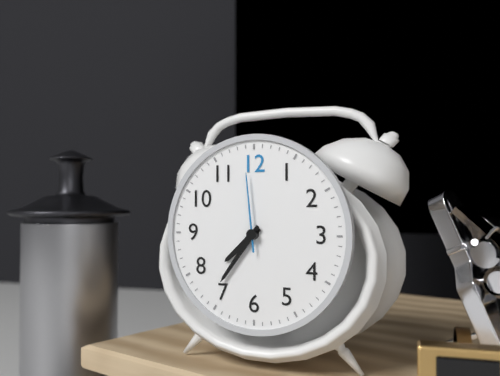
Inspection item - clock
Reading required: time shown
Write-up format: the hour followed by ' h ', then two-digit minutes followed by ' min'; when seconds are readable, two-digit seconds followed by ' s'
7 h 36 min 59 s
